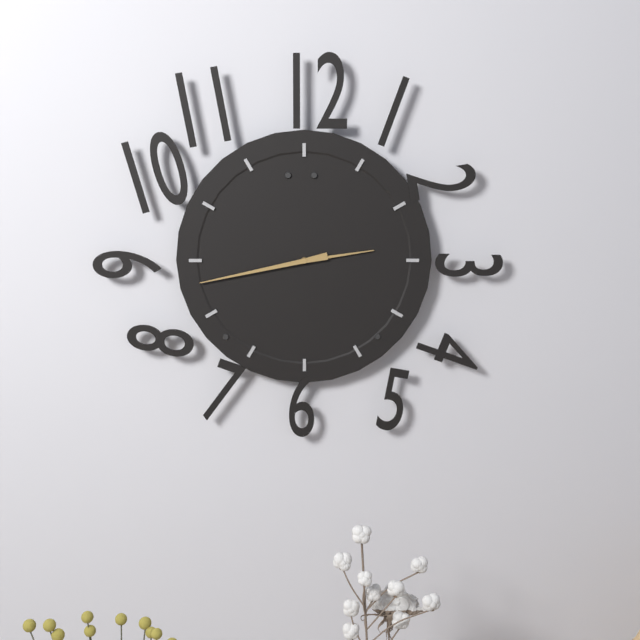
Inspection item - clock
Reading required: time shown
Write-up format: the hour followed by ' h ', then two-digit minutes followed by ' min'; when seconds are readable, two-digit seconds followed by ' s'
2 h 43 min
